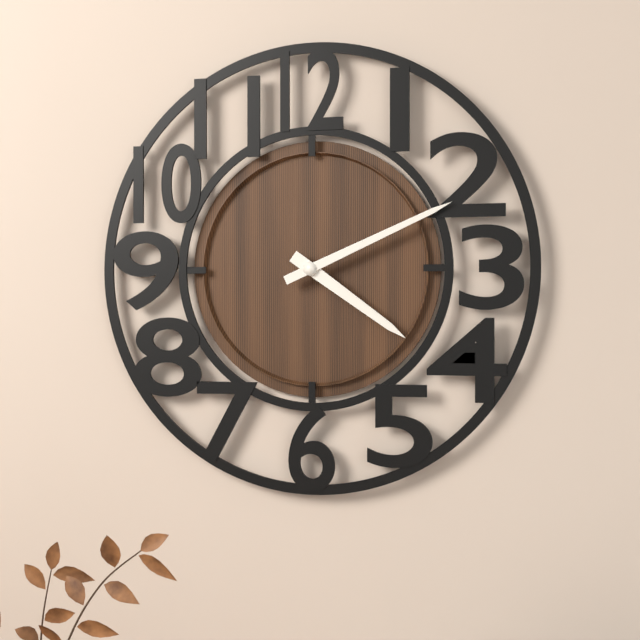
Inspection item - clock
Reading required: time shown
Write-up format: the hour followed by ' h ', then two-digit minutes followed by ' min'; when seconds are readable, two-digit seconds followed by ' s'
4 h 11 min
